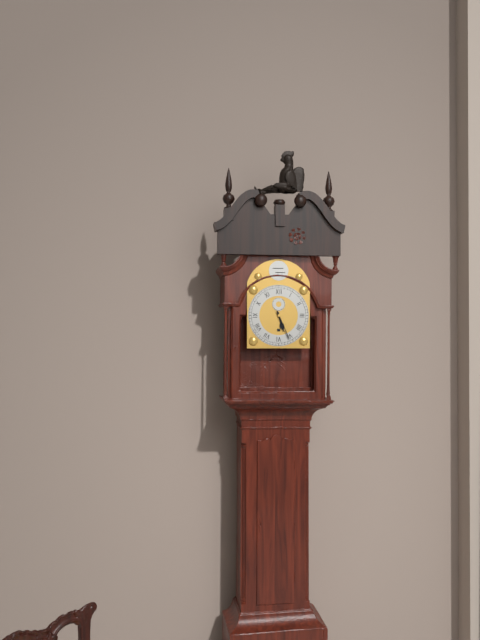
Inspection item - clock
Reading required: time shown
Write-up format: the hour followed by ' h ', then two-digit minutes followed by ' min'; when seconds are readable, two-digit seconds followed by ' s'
5 h 26 min
